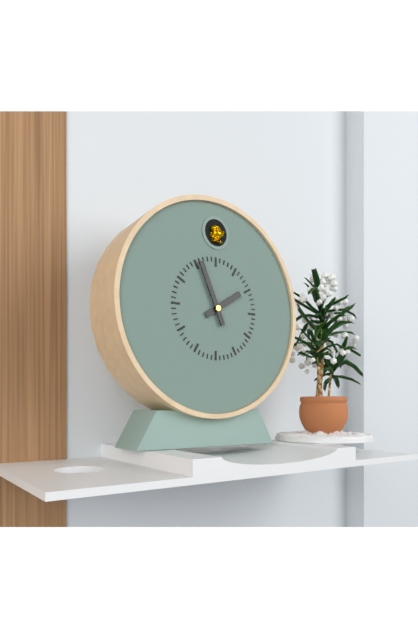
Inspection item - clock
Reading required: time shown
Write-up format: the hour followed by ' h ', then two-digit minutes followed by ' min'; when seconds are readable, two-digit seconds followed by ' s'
1 h 56 min
